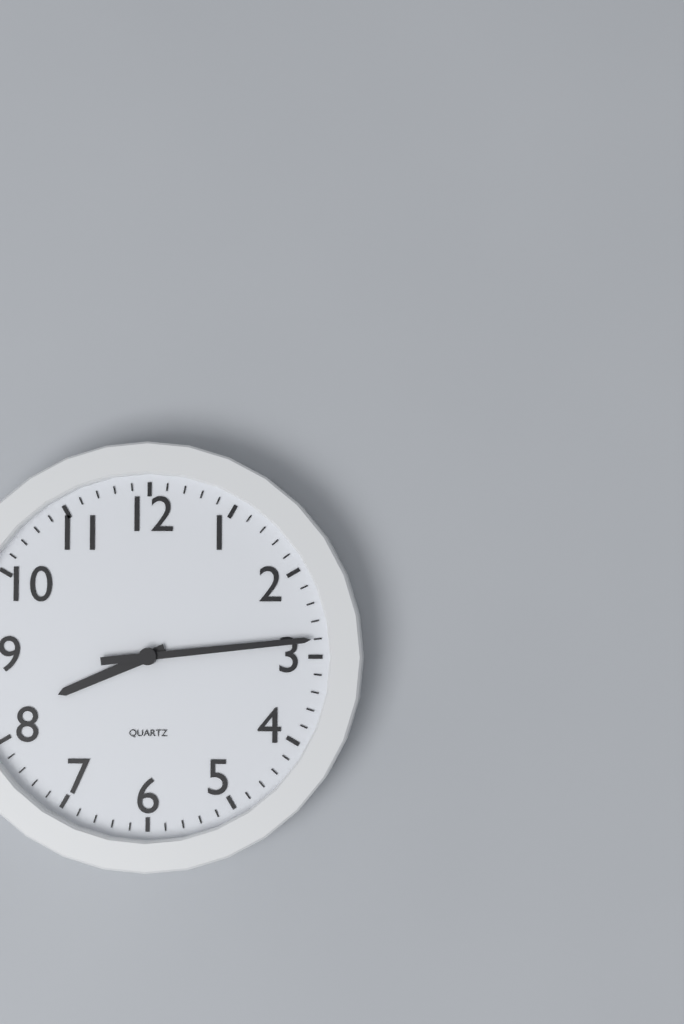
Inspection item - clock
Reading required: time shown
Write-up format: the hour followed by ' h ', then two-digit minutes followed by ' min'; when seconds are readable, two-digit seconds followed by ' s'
8 h 14 min
